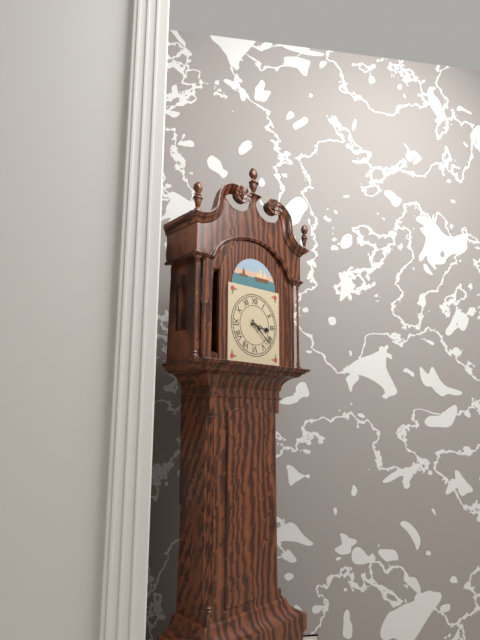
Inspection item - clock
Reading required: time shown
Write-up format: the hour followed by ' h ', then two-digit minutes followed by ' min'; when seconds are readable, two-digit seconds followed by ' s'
3 h 22 min
